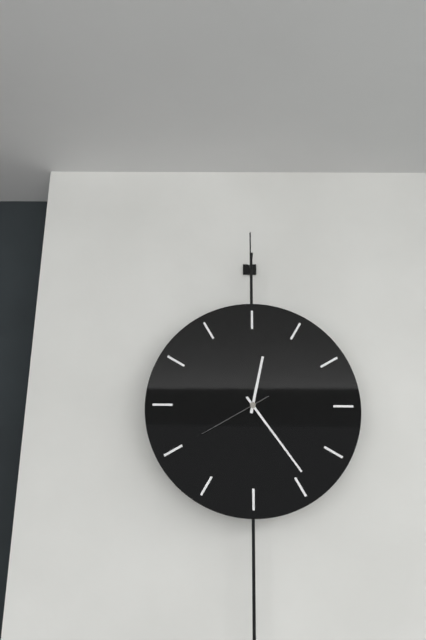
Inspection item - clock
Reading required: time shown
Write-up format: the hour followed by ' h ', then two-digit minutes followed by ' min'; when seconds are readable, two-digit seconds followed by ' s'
12 h 24 min 40 s
